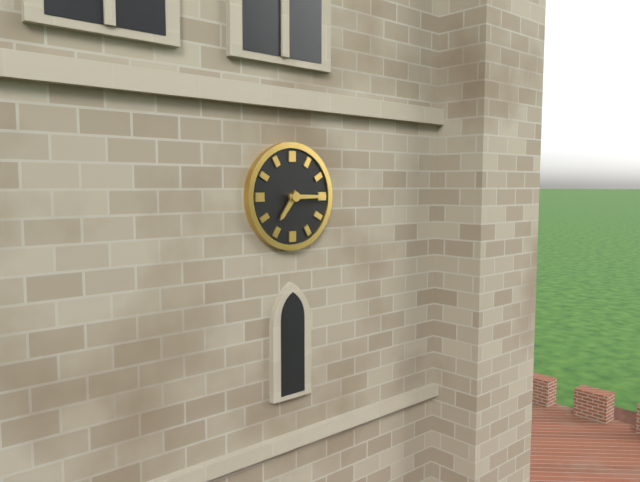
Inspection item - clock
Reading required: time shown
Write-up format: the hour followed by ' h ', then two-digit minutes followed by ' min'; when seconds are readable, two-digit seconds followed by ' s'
7 h 15 min
